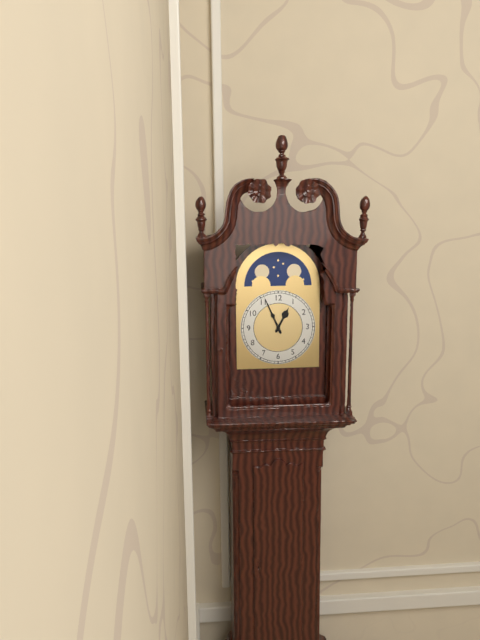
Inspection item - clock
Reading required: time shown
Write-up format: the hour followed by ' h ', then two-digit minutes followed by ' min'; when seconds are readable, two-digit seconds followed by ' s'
12 h 56 min
